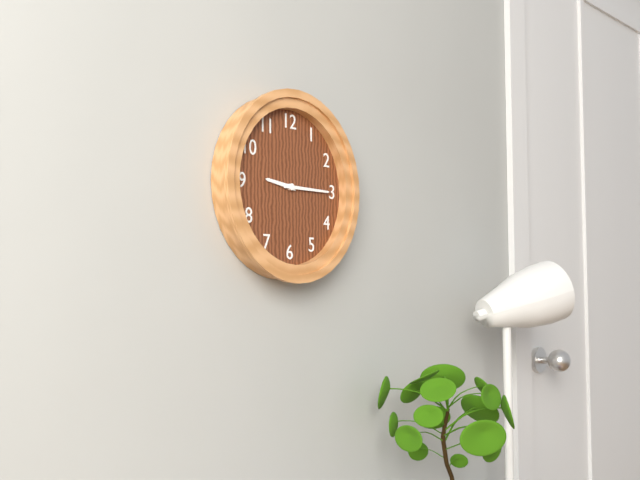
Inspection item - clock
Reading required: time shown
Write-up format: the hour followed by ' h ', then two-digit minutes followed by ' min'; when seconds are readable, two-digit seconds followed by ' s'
9 h 15 min
